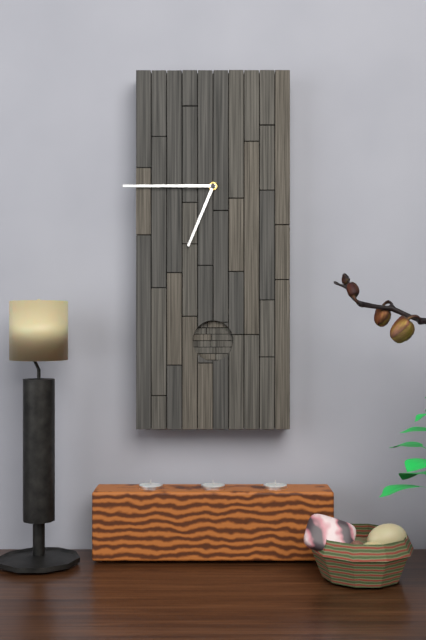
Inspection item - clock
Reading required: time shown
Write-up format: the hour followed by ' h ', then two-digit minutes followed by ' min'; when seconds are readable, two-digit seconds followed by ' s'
6 h 45 min
